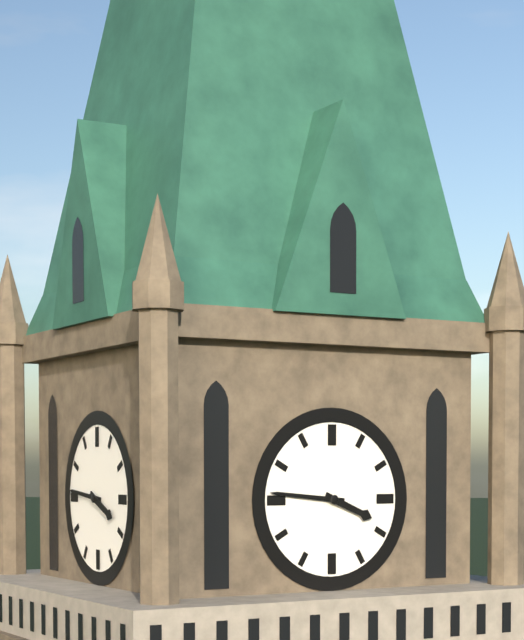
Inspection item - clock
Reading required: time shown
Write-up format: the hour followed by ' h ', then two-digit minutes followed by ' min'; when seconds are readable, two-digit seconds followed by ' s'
3 h 46 min
